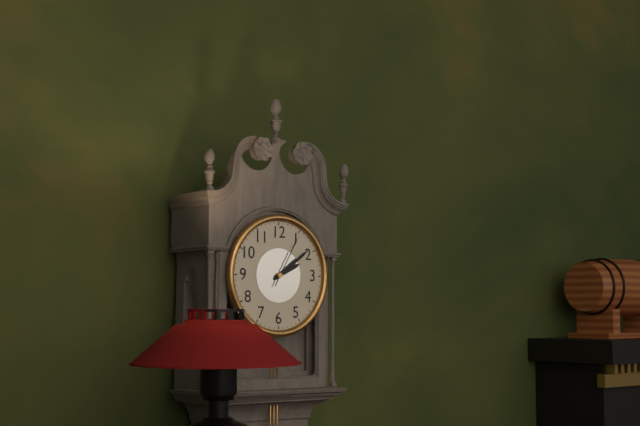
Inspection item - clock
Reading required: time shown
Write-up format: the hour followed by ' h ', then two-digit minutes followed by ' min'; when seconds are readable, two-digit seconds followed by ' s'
2 h 09 min 05 s
